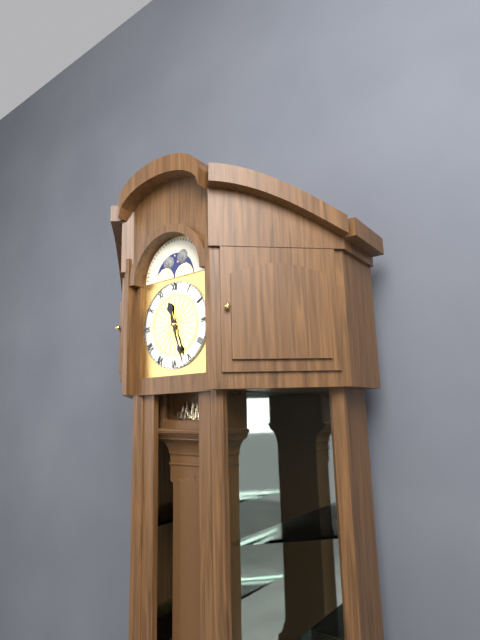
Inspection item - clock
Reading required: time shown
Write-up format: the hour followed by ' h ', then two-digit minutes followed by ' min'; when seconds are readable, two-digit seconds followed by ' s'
11 h 27 min
